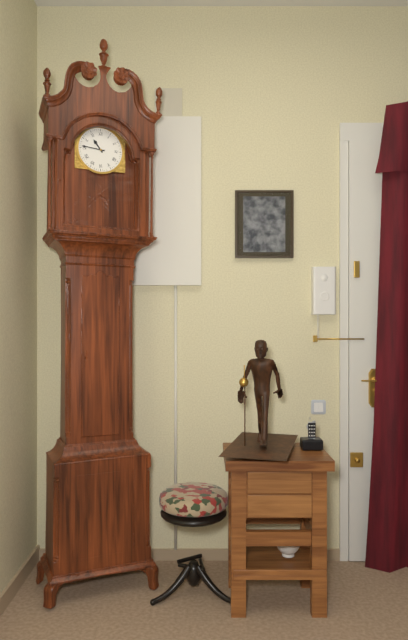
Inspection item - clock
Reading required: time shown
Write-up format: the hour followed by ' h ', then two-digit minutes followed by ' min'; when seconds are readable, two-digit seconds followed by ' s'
10 h 46 min
